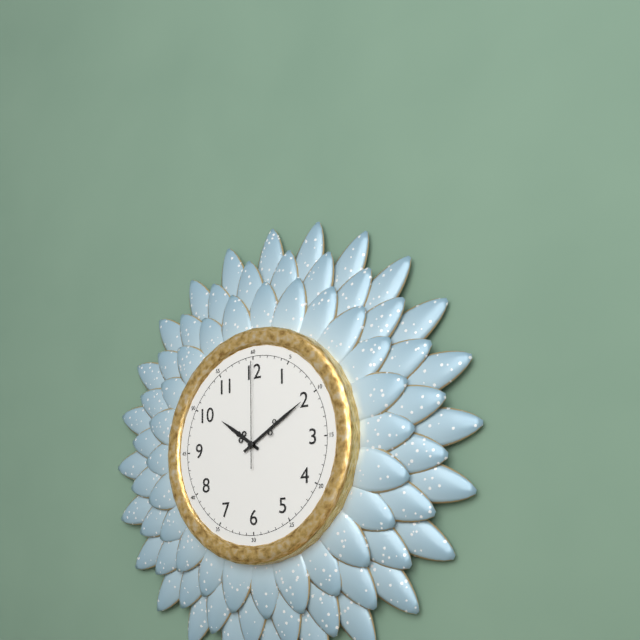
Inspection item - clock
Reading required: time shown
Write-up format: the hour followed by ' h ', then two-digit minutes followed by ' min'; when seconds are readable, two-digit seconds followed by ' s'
10 h 10 min 00 s
